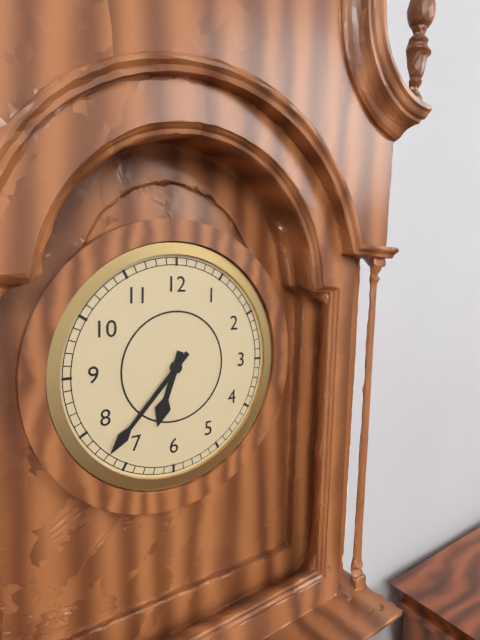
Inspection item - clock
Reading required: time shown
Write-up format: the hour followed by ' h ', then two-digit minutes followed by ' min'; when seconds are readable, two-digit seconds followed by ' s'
6 h 37 min
